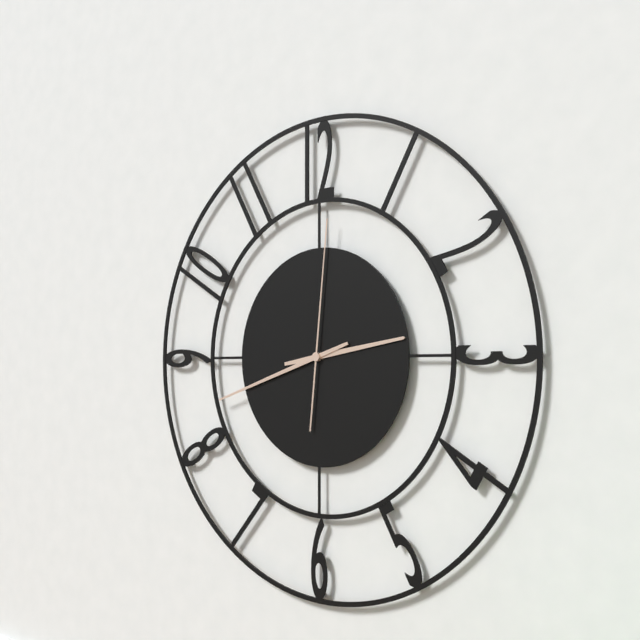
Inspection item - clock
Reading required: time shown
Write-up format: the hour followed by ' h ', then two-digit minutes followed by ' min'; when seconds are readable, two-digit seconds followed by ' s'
2 h 42 min 01 s
